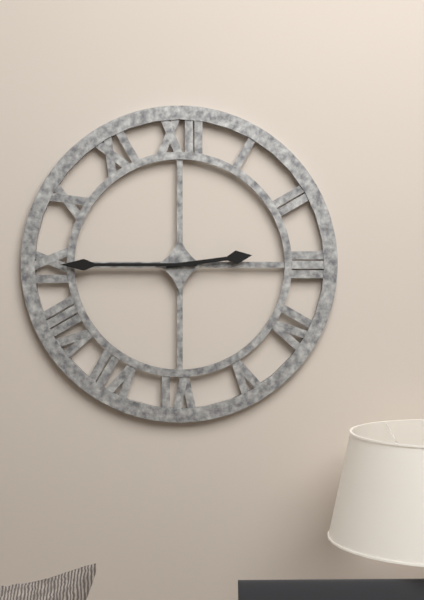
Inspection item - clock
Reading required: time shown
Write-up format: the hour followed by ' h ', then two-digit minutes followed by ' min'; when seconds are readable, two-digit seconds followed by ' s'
2 h 45 min
